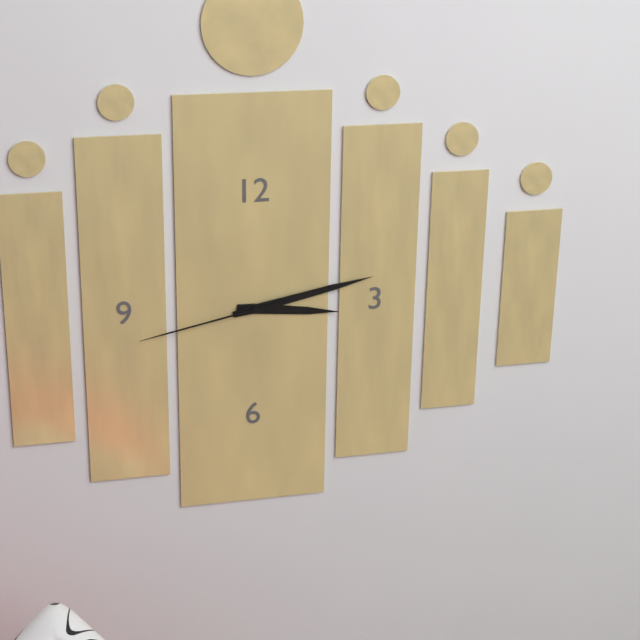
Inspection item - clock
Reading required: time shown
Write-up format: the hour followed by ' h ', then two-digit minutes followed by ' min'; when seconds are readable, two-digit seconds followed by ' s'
3 h 13 min 43 s
